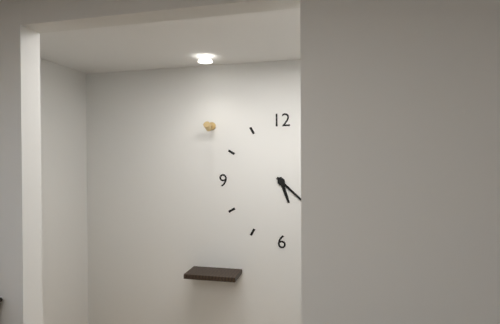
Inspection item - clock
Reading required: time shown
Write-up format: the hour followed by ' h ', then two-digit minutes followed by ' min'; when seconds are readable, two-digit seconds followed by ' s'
5 h 22 min
